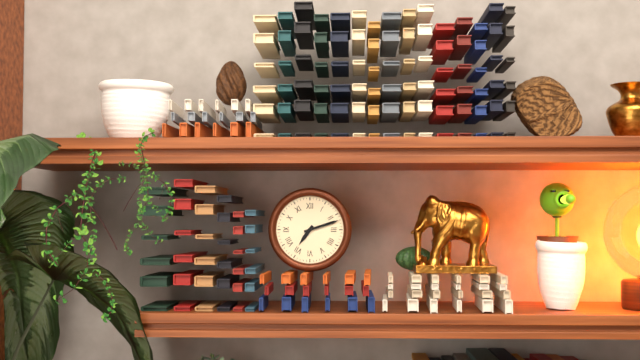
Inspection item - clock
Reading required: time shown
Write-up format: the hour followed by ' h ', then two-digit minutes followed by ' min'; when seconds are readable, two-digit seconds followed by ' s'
7 h 12 min
